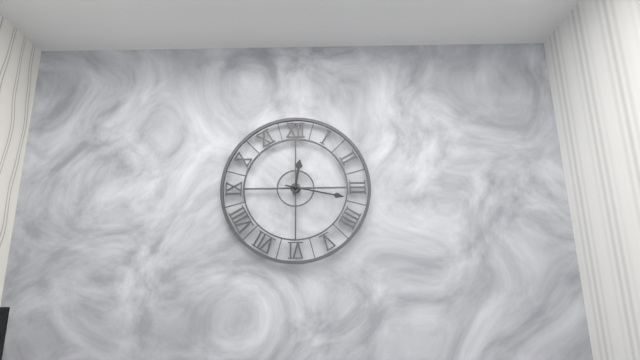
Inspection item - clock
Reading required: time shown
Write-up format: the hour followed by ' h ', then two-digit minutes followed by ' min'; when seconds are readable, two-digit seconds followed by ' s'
12 h 17 min
